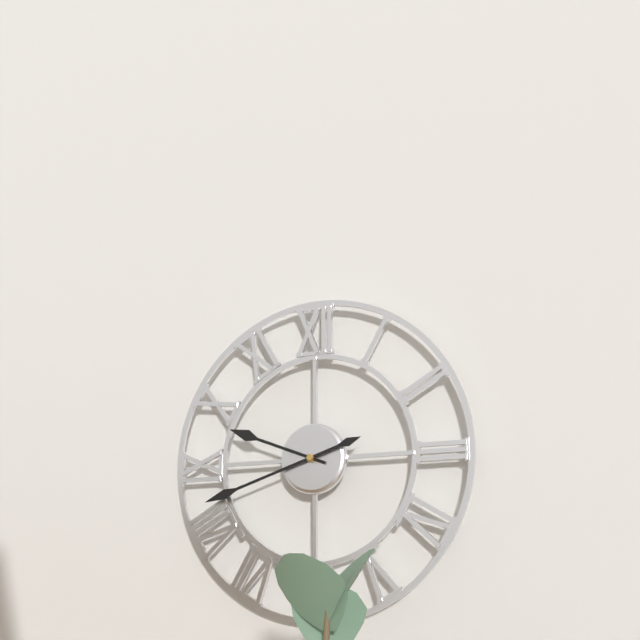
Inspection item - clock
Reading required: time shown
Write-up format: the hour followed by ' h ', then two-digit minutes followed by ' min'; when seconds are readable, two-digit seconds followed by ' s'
9 h 42 min
